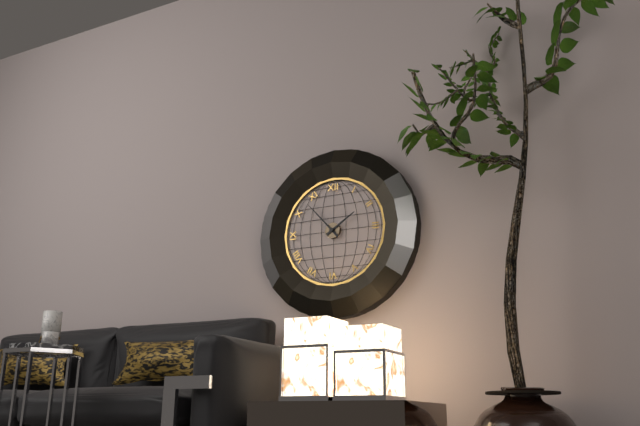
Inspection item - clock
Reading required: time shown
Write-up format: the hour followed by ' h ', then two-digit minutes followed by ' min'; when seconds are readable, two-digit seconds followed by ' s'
1 h 53 min
